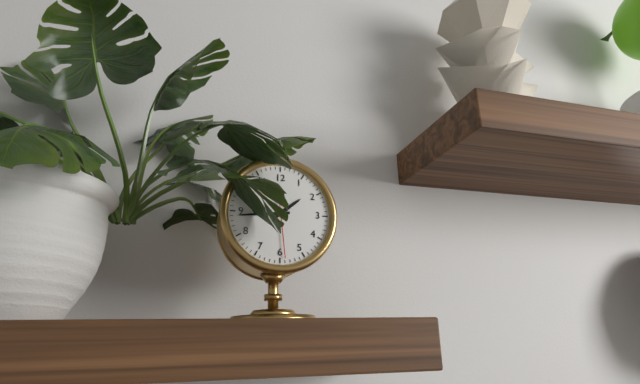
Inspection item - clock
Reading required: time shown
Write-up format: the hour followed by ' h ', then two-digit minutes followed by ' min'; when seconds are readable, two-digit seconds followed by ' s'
1 h 44 min 29 s
